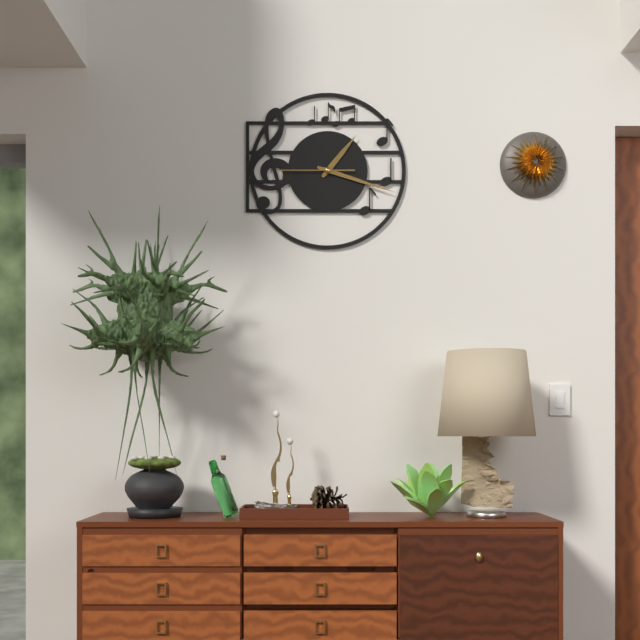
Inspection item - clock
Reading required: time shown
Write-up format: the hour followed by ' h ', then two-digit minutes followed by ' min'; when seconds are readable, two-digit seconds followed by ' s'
1 h 18 min 45 s
